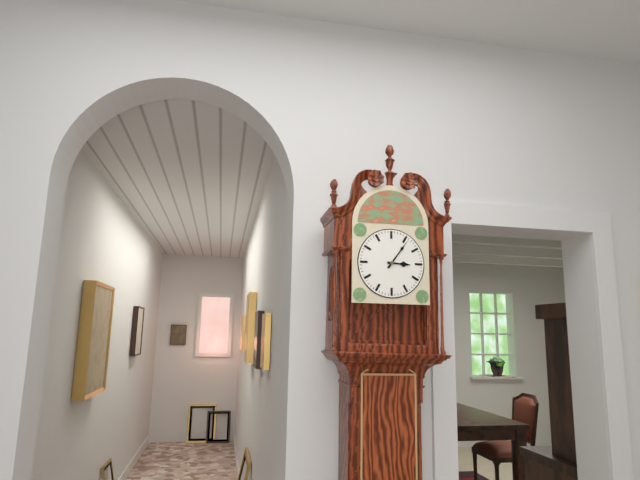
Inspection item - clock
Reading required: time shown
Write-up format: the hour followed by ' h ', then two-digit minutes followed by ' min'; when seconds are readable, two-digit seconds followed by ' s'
3 h 06 min
